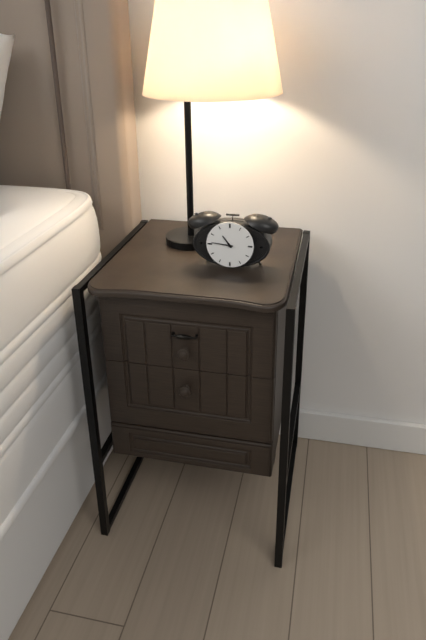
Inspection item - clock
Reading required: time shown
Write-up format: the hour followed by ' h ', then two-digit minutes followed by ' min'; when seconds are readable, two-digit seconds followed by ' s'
10 h 46 min
